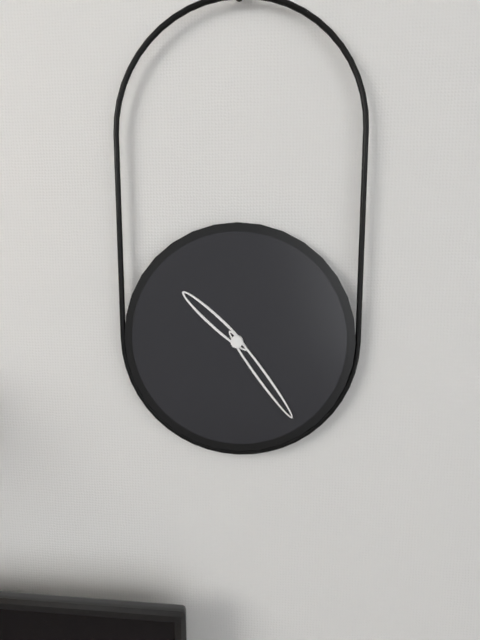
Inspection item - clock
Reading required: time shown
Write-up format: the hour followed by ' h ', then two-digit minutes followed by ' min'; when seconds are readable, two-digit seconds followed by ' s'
10 h 24 min
